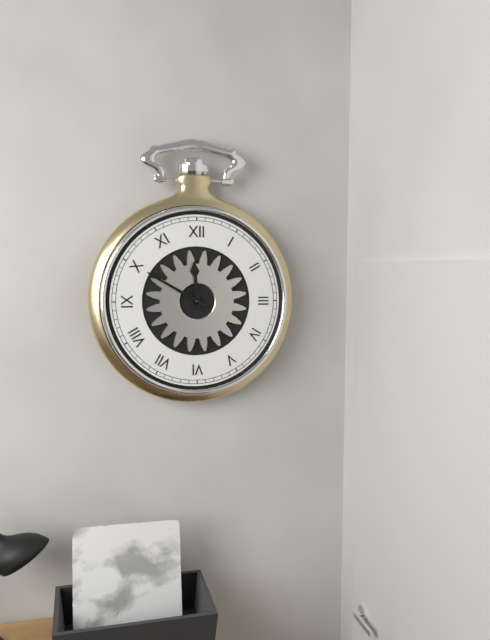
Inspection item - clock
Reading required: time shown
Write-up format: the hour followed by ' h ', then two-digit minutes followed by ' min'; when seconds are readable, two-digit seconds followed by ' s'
11 h 50 min
